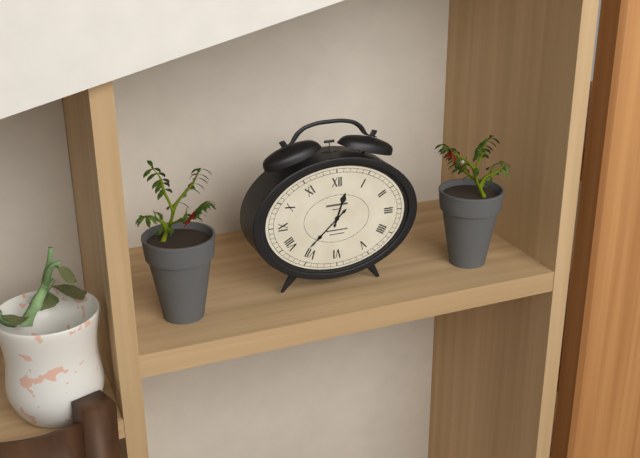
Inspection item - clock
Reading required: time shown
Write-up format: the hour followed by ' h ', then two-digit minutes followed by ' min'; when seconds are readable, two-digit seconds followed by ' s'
12 h 38 min
